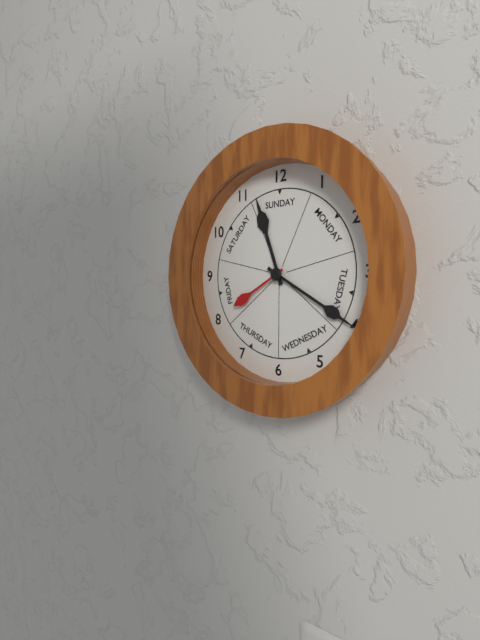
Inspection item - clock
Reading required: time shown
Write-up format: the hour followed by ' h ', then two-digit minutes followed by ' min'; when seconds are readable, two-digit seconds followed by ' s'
11 h 20 min 40 s
